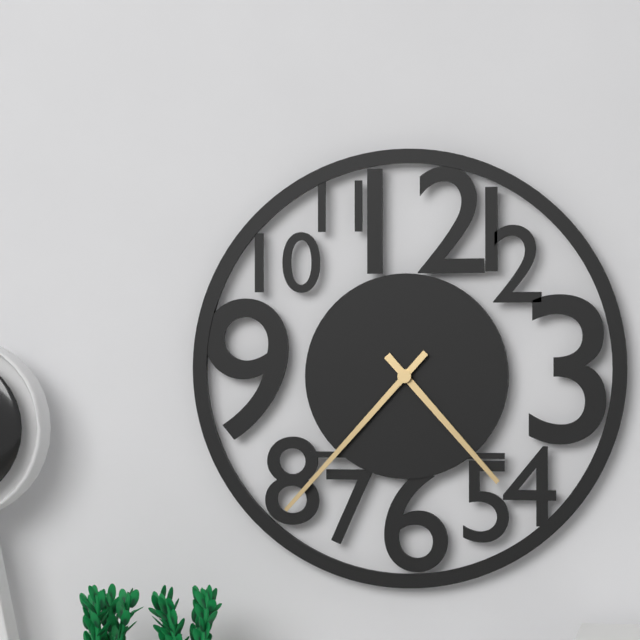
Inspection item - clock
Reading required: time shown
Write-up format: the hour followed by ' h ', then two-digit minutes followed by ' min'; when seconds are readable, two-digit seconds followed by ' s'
4 h 37 min
